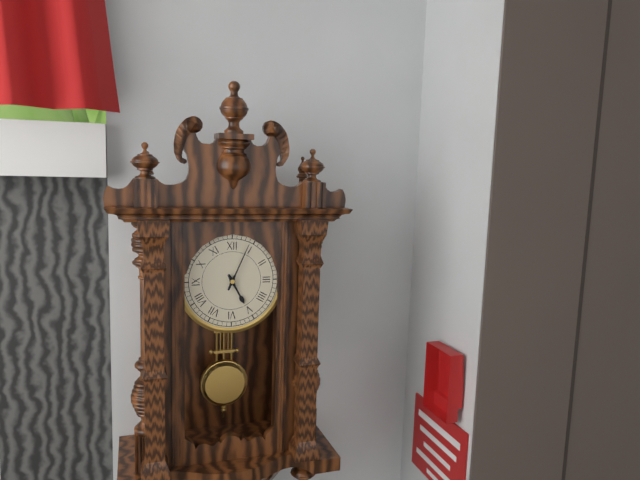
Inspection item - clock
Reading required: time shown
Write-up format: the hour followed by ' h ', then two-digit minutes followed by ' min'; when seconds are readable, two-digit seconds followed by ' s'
5 h 04 min
